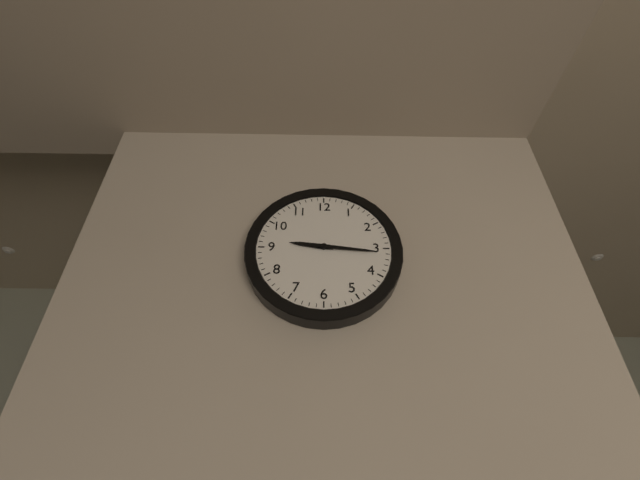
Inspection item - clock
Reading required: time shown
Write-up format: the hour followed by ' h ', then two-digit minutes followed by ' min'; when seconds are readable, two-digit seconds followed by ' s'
9 h 16 min
